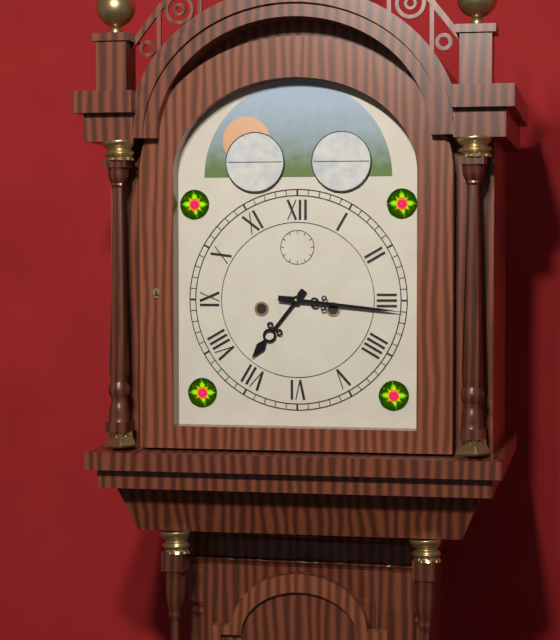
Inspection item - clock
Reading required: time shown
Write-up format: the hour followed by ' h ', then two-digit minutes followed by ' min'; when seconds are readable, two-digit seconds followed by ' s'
7 h 16 min
